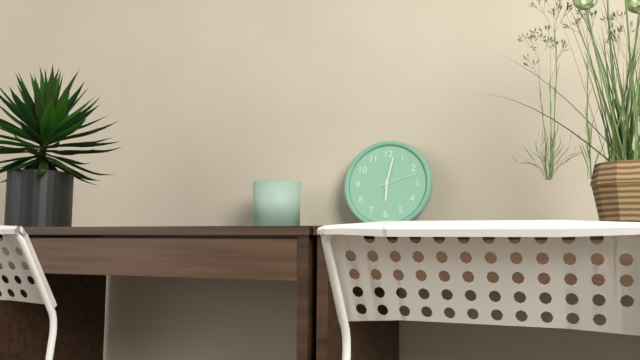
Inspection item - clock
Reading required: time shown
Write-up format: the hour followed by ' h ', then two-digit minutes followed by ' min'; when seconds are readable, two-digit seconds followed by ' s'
6 h 02 min
